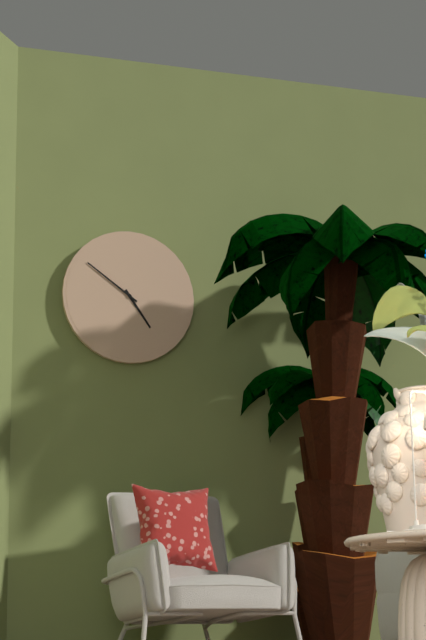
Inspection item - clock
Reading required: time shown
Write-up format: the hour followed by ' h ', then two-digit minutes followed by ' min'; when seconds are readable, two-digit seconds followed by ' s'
4 h 51 min
